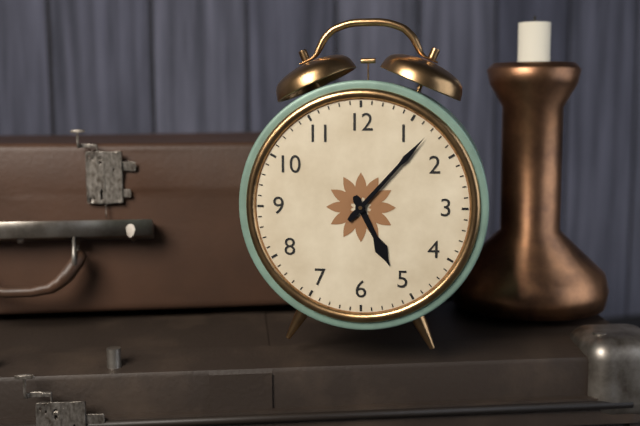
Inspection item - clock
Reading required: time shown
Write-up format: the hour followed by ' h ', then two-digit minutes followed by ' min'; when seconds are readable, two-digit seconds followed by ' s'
5 h 07 min
